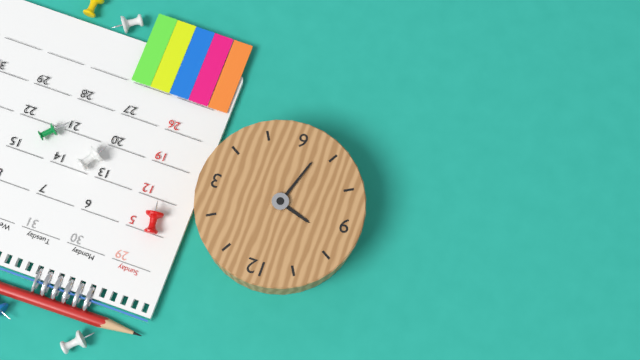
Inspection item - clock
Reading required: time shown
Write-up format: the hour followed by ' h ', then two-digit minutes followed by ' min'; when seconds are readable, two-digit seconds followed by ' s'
9 h 33 min
